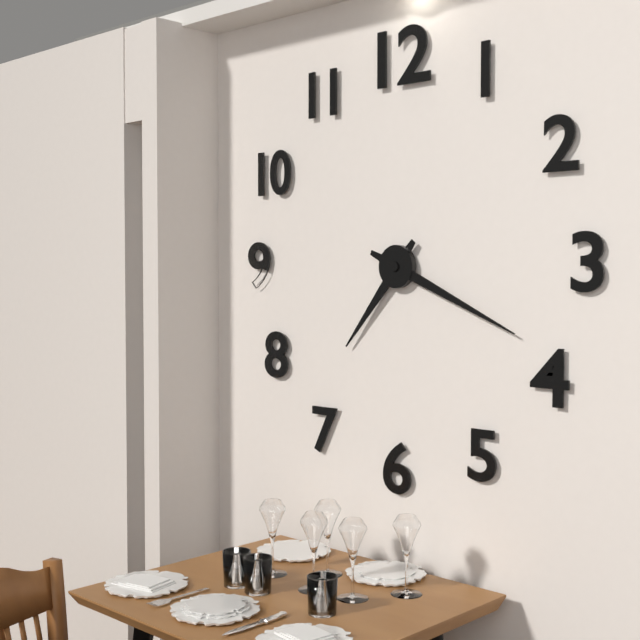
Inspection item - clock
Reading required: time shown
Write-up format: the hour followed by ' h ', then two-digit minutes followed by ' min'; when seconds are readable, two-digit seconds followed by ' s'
7 h 19 min
